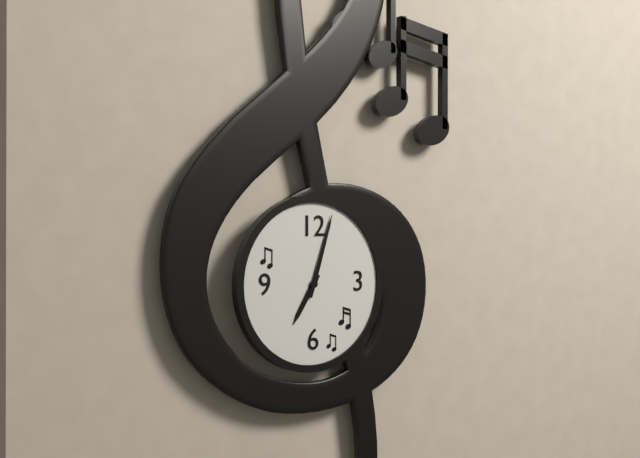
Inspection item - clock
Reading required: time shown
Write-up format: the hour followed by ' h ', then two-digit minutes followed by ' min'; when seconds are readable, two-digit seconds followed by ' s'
7 h 03 min
